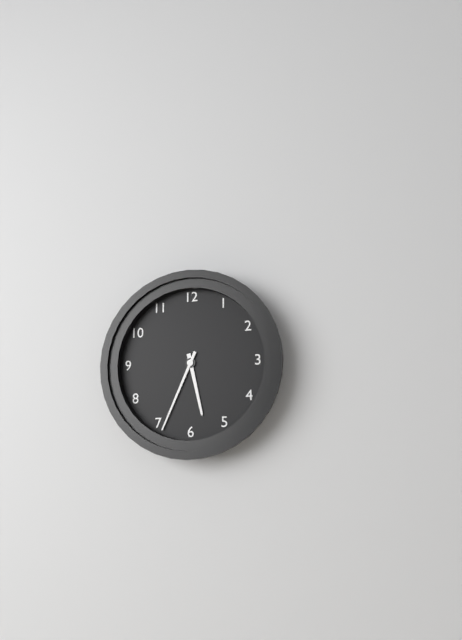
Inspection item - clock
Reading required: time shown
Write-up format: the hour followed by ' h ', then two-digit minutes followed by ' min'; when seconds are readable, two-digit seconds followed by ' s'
5 h 34 min
